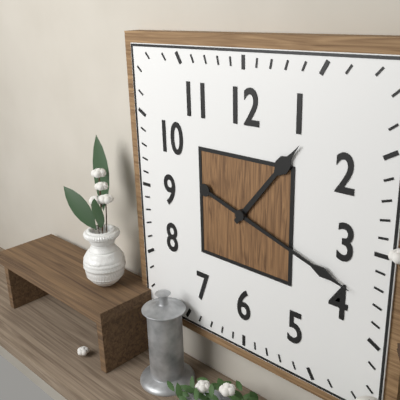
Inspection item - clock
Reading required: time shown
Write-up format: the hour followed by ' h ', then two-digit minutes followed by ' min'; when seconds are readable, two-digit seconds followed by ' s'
1 h 18 min
